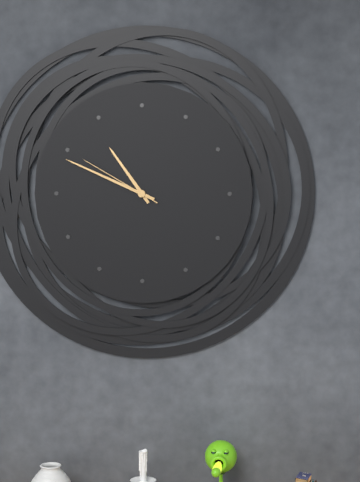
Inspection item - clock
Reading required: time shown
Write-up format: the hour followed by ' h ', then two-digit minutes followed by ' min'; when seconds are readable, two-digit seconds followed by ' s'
10 h 49 min 50 s
